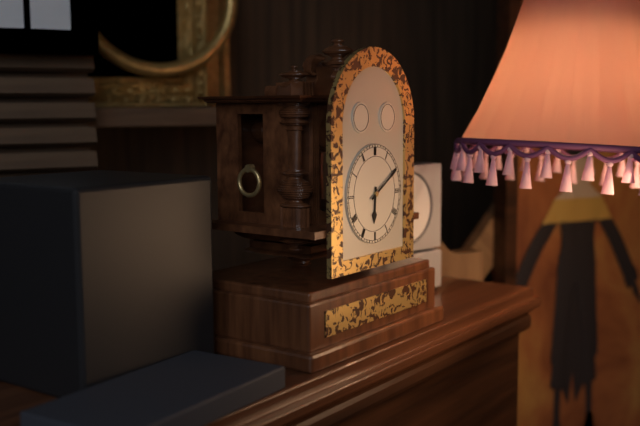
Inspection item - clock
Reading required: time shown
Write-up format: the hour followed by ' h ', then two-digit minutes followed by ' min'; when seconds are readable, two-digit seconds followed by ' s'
6 h 10 min
